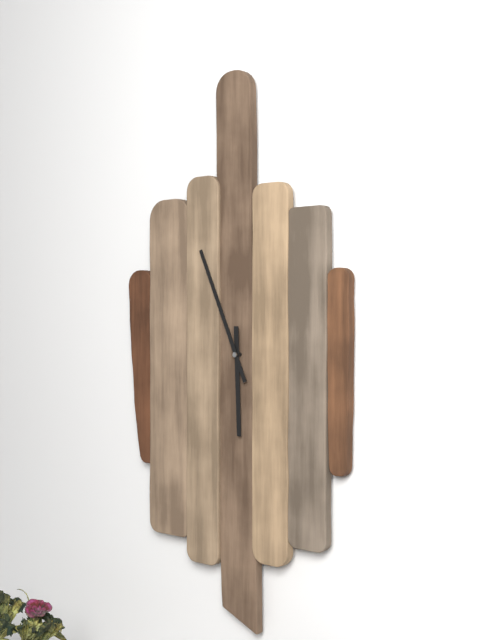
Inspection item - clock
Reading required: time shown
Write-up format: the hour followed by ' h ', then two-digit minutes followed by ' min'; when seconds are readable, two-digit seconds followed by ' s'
5 h 56 min
